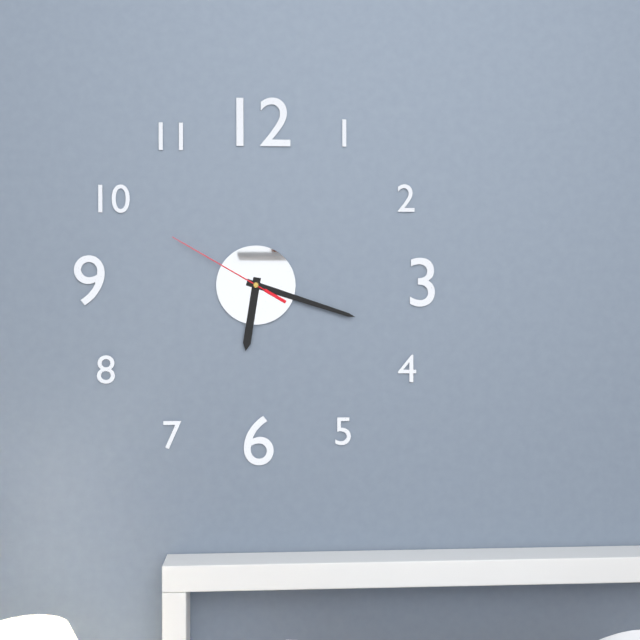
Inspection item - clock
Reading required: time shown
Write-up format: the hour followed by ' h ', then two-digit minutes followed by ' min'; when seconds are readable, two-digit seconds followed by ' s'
6 h 18 min 50 s
